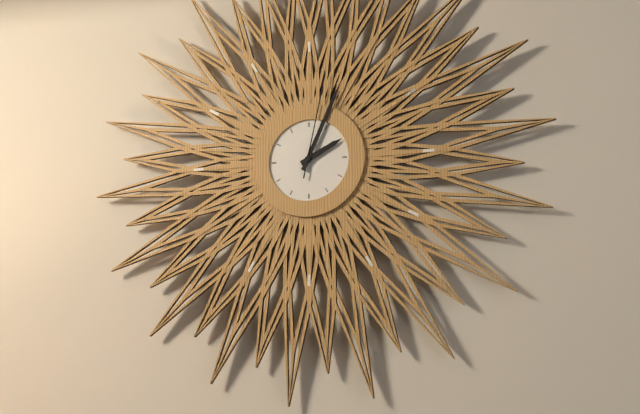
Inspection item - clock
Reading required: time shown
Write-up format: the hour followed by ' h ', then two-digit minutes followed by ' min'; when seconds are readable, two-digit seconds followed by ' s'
2 h 04 min 02 s
